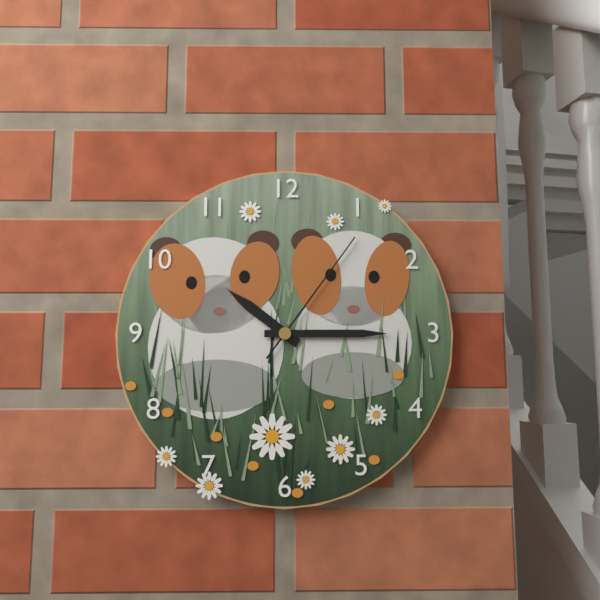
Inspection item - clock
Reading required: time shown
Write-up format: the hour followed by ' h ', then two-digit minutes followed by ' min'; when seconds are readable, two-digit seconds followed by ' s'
10 h 15 min 06 s
